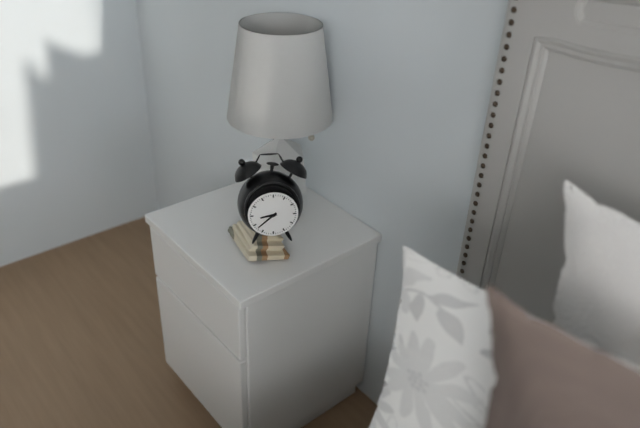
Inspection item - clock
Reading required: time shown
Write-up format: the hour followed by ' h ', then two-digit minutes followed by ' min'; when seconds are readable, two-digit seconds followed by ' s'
8 h 38 min
